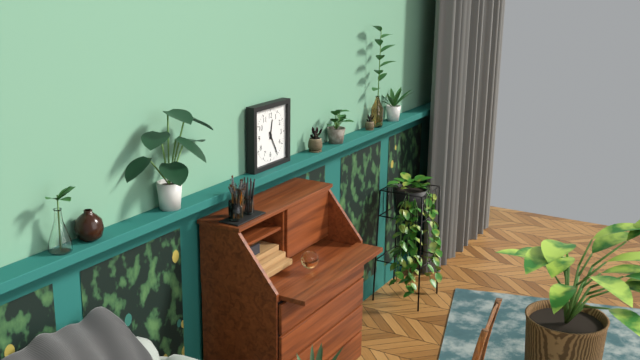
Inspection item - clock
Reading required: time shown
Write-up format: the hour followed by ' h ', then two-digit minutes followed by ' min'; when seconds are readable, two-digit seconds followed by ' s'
12 h 25 min
